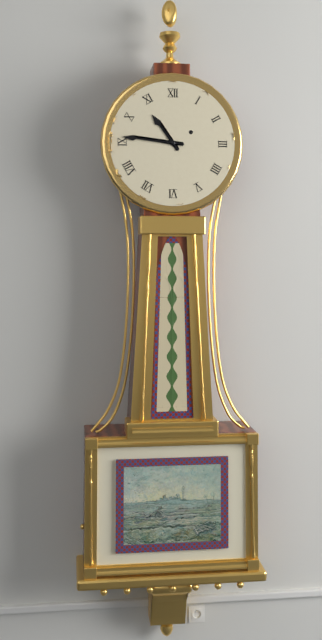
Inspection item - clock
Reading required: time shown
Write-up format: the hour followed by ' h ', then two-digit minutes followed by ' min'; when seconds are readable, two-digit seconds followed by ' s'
10 h 46 min
